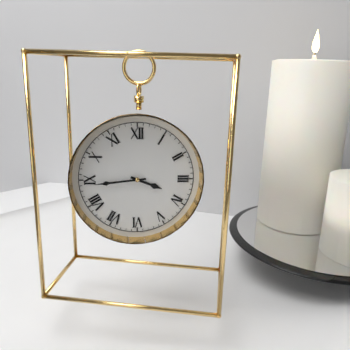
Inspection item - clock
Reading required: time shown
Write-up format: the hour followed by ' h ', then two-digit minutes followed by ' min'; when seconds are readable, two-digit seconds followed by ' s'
3 h 44 min
